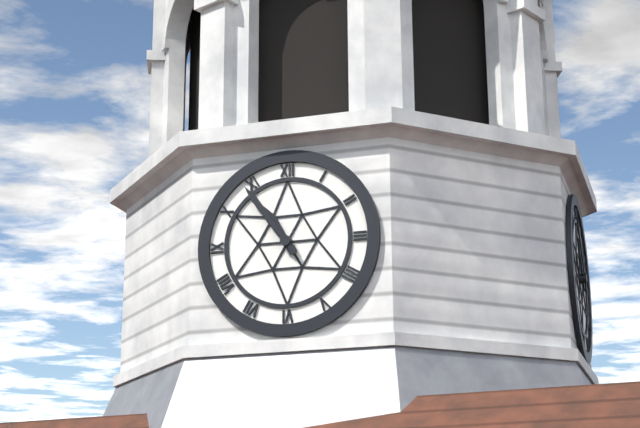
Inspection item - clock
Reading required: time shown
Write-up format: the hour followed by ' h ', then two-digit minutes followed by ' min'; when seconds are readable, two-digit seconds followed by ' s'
10 h 54 min
